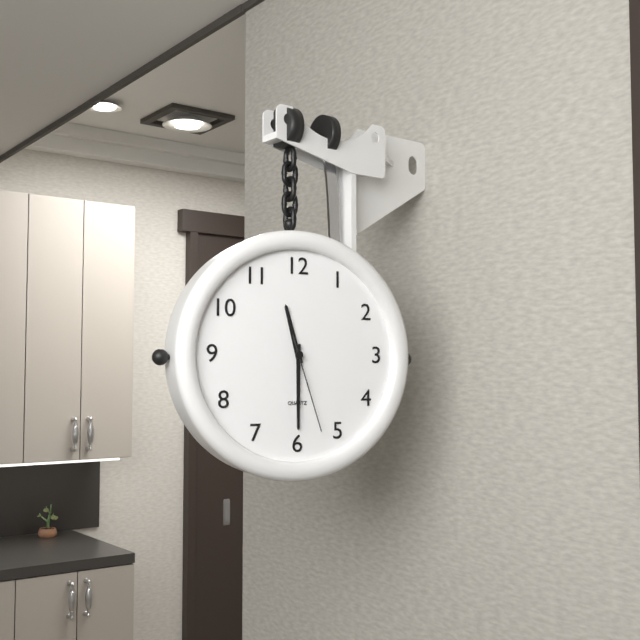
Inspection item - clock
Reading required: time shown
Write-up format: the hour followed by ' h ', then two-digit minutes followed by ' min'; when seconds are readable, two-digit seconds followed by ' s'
11 h 30 min 27 s
